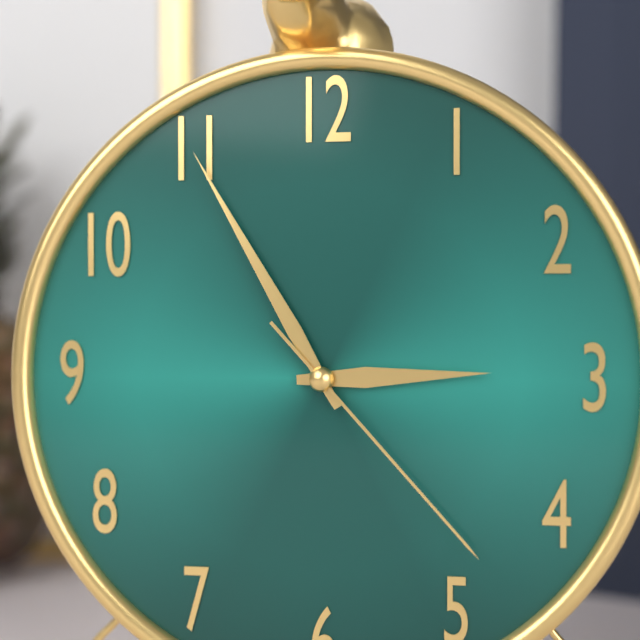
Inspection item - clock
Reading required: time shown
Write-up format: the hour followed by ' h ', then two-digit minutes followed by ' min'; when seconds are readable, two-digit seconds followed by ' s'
2 h 55 min 23 s
